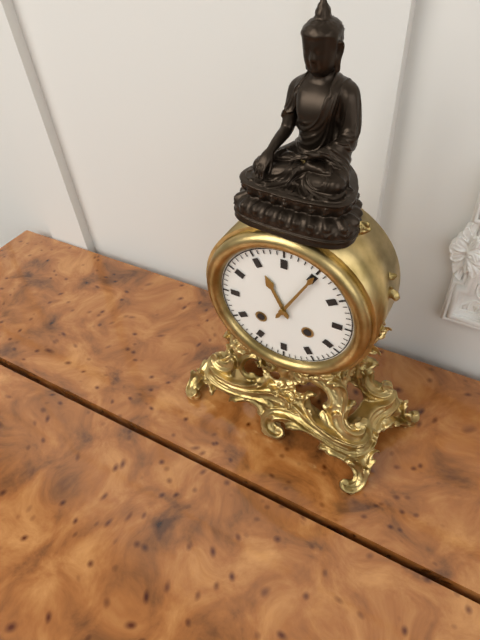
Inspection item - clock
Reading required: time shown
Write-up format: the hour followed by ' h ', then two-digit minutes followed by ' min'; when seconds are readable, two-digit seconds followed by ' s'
11 h 05 min
